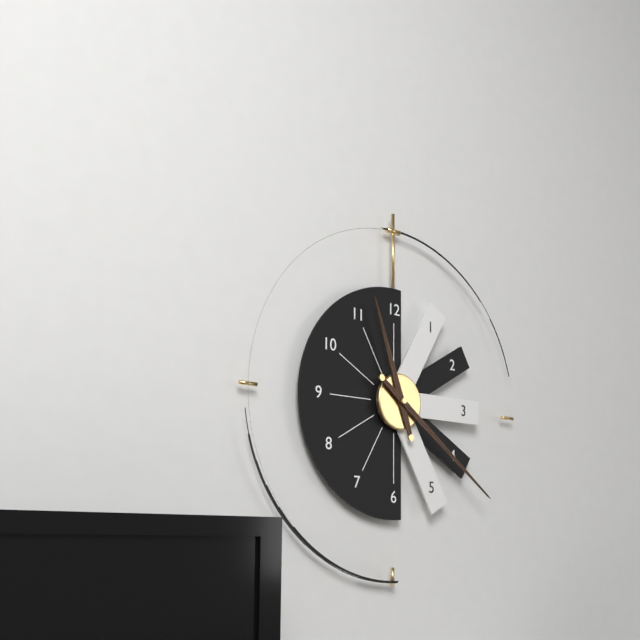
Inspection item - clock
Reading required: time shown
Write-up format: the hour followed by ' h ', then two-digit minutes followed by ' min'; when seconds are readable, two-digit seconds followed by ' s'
11 h 21 min
